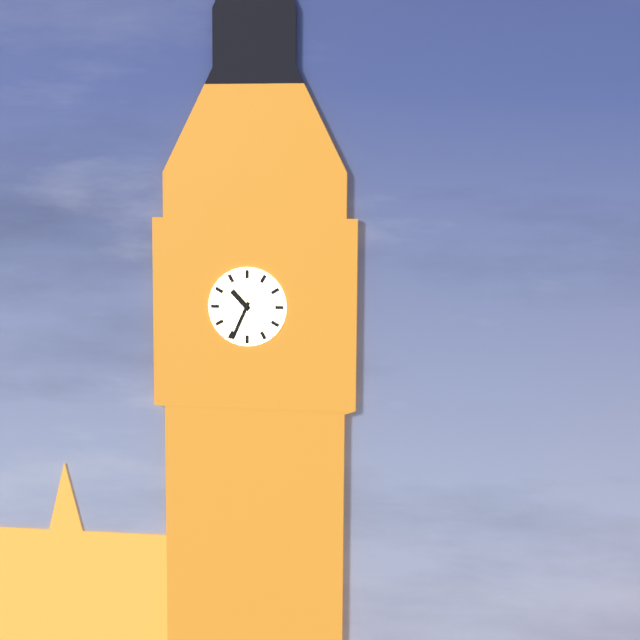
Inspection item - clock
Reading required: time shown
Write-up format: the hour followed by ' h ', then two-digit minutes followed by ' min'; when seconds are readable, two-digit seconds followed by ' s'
10 h 34 min
